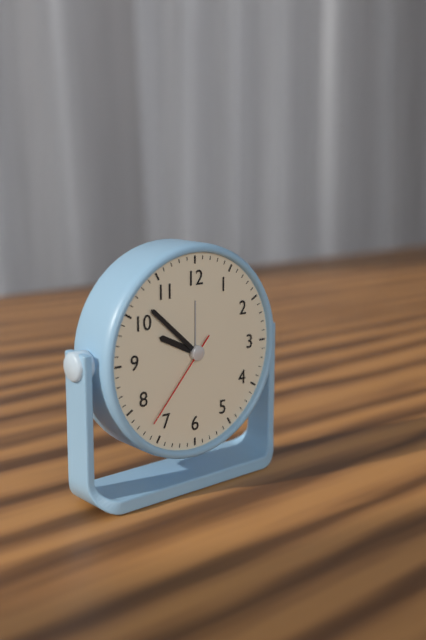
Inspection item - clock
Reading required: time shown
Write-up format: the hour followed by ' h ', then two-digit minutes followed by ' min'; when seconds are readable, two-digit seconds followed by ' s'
9 h 52 min 37 s
